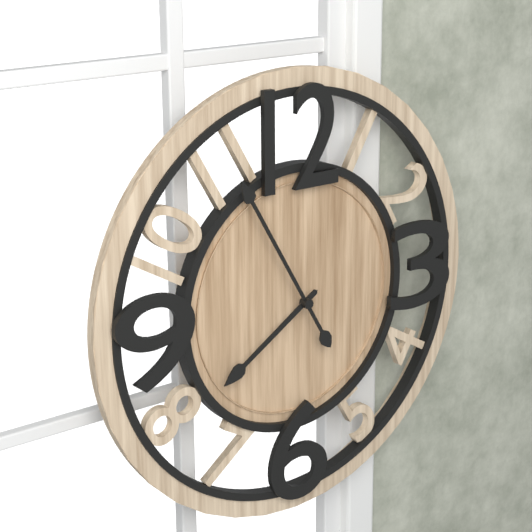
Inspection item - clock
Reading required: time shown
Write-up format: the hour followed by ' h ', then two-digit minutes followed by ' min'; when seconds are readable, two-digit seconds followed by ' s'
7 h 55 min
